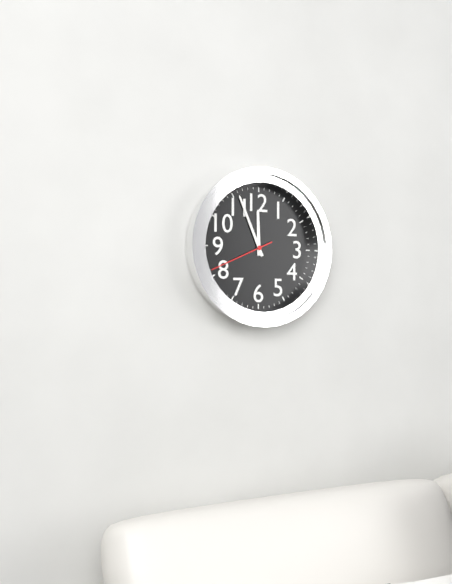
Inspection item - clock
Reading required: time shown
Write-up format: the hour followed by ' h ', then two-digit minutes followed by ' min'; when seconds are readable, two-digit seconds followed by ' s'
11 h 56 min 41 s
